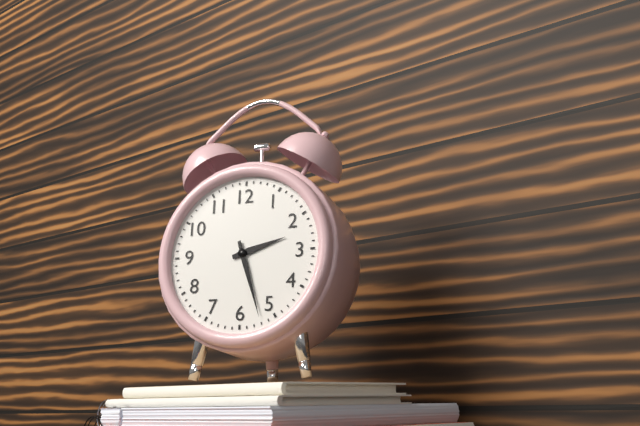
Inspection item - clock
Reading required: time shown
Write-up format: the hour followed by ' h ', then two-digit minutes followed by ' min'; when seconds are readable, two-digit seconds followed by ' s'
2 h 27 min
